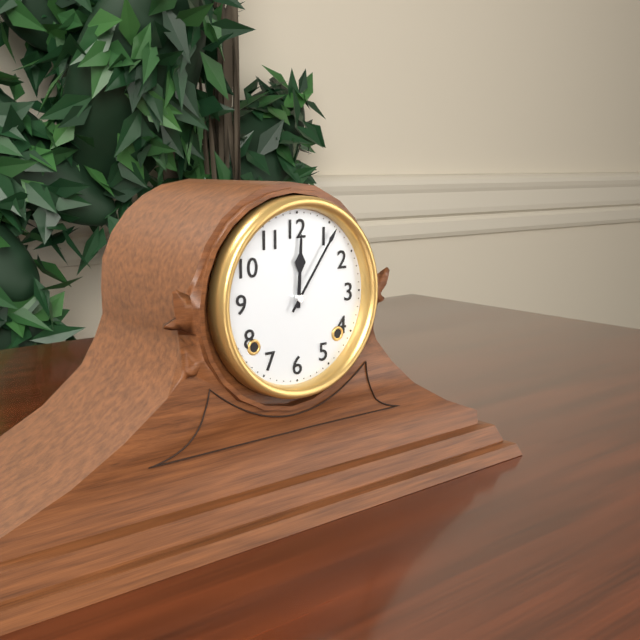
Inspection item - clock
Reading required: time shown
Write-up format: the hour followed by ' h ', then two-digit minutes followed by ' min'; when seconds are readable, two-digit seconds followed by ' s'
12 h 06 min
